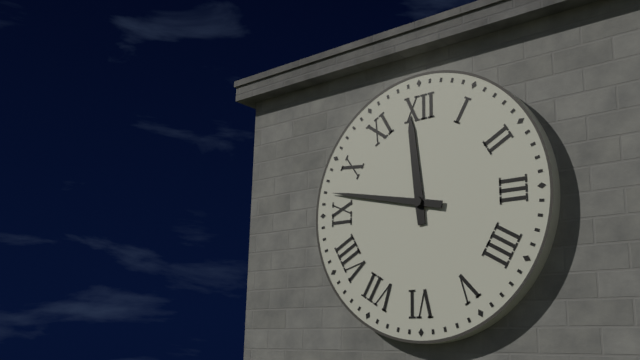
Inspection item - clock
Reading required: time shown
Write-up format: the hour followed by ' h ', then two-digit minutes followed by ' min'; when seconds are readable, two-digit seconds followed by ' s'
11 h 47 min
